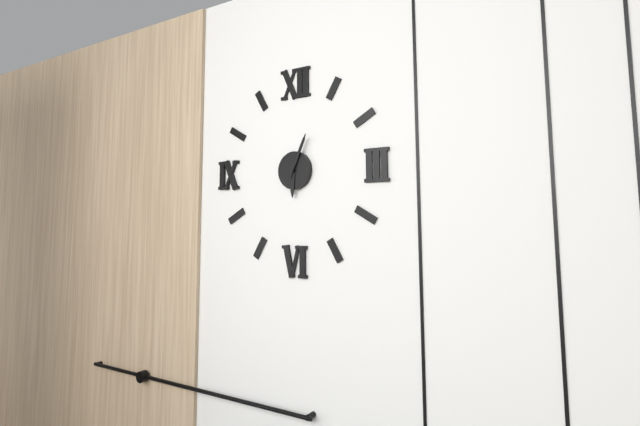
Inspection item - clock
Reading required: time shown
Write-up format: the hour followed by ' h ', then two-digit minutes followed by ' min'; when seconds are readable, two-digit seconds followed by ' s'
6 h 04 min
